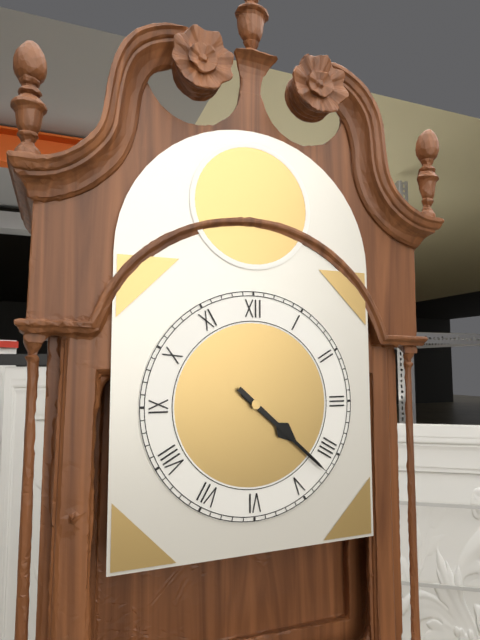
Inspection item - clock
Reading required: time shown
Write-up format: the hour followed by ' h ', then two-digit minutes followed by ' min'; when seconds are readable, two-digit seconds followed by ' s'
4 h 22 min
